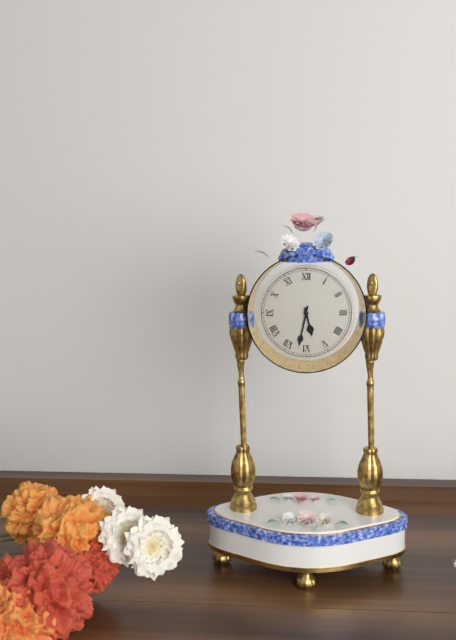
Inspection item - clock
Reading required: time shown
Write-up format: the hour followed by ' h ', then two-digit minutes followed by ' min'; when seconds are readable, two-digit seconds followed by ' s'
5 h 32 min
